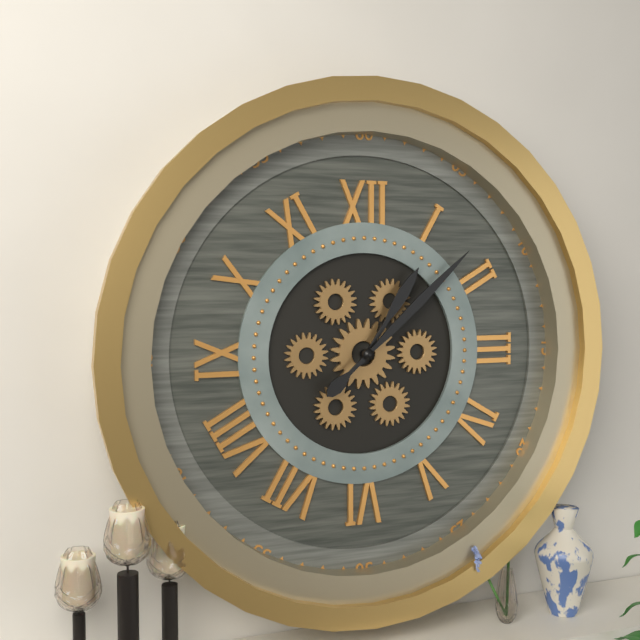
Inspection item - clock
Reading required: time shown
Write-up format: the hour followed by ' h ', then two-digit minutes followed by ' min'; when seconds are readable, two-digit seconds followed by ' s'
1 h 08 min
